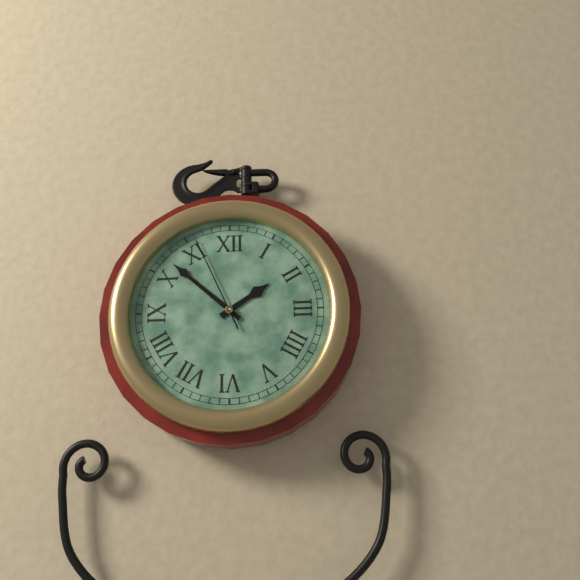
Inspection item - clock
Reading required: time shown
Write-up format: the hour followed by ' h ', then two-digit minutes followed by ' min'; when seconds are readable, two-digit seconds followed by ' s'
1 h 52 min 56 s
